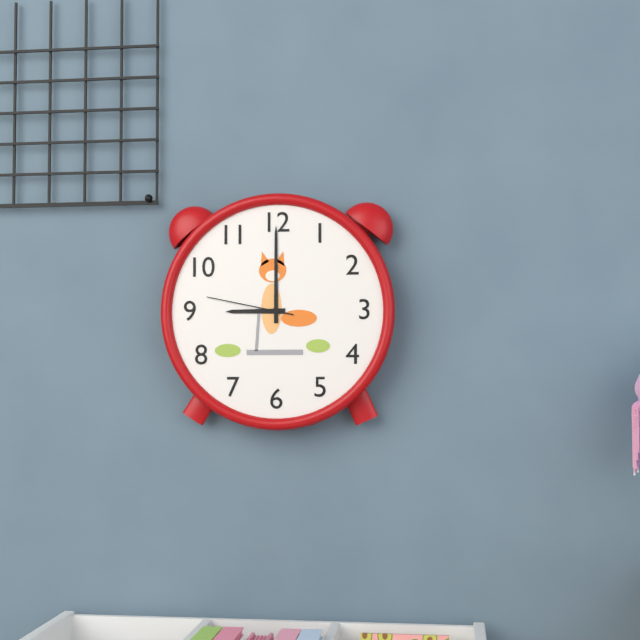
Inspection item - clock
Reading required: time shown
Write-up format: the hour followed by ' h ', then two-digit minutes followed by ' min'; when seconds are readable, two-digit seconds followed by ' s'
9 h 00 min 47 s
